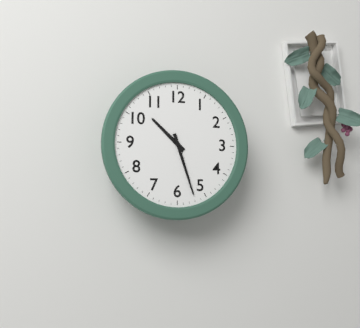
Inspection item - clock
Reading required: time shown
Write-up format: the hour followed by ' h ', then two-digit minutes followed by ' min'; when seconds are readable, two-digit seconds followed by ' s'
10 h 27 min
